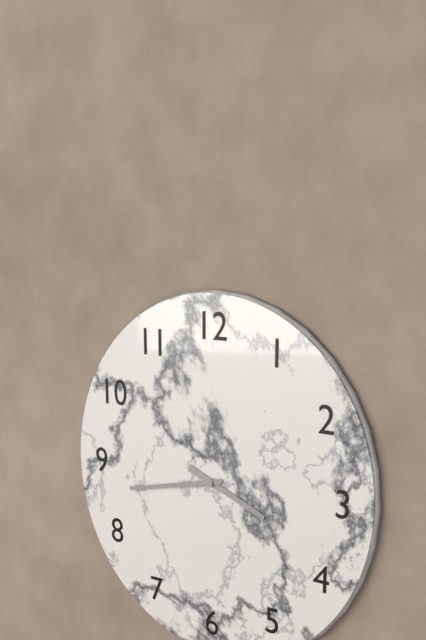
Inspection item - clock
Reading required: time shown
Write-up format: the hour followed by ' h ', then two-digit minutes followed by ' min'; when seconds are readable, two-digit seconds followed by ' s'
3 h 43 min
